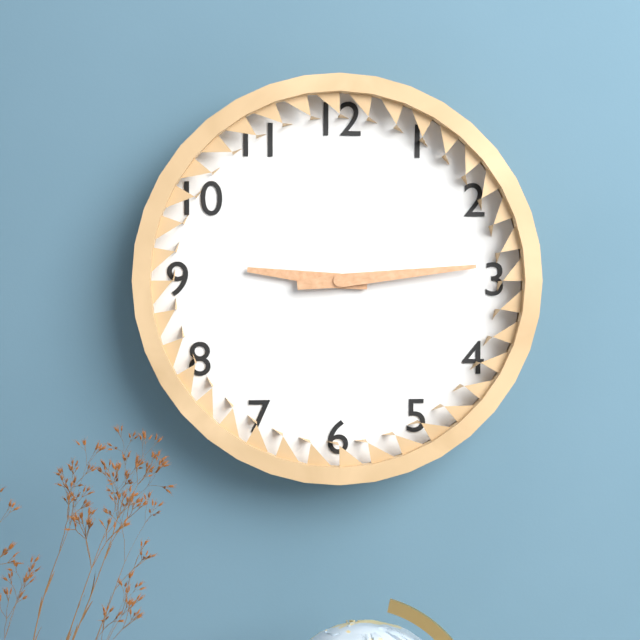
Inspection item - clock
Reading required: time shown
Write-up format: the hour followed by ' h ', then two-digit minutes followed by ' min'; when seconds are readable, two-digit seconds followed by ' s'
9 h 14 min
